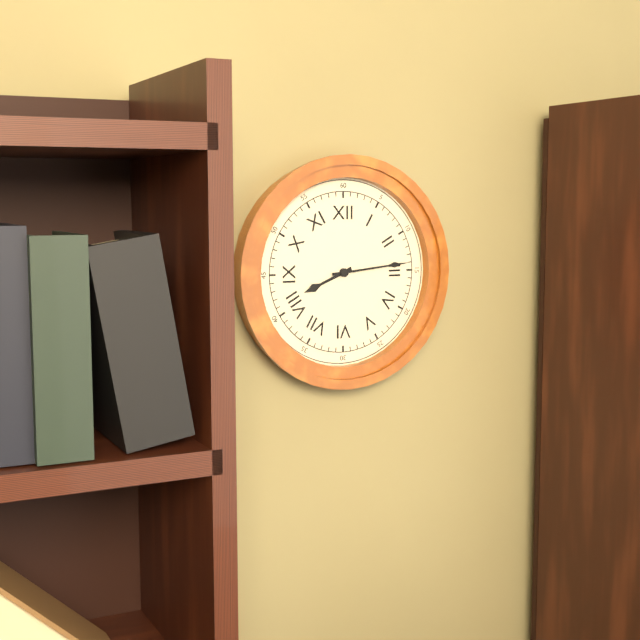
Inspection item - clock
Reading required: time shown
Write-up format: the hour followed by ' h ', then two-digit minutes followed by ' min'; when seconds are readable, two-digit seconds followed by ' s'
8 h 14 min
